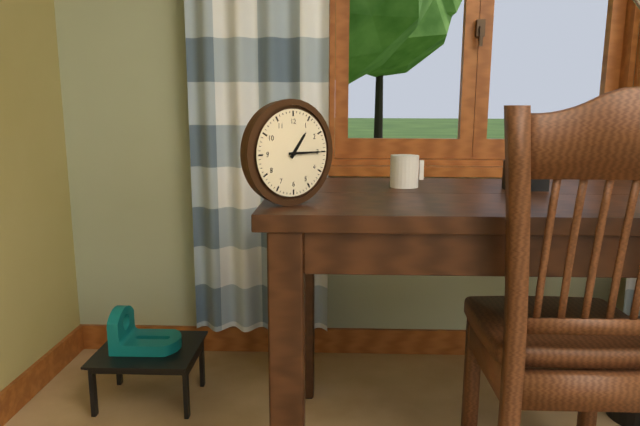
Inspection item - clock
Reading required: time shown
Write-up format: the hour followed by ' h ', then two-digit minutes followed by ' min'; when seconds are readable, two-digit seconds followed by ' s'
1 h 15 min
